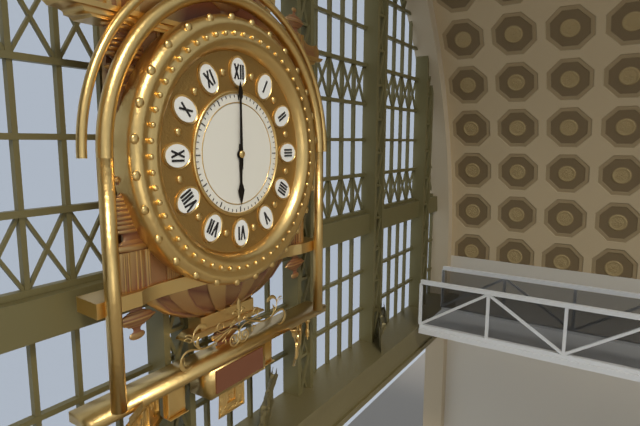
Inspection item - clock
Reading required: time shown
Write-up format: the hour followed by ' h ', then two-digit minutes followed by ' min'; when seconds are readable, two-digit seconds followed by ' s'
6 h 00 min
